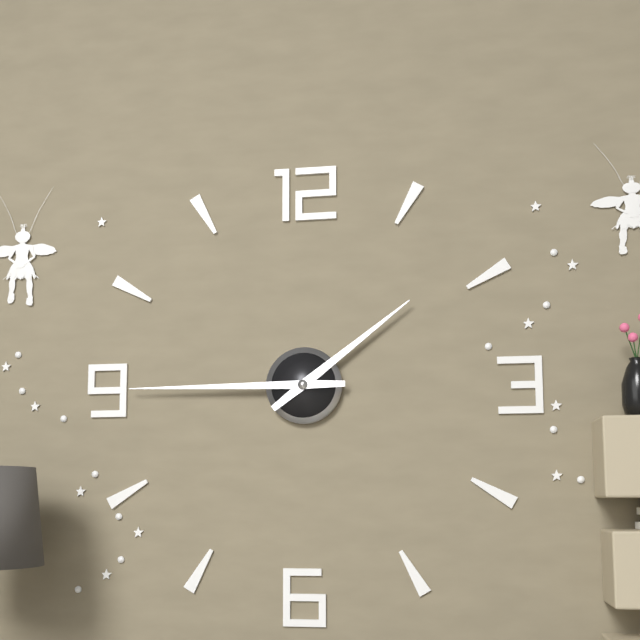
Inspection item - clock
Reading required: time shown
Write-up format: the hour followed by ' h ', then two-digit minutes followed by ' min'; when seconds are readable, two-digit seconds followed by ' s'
1 h 45 min
